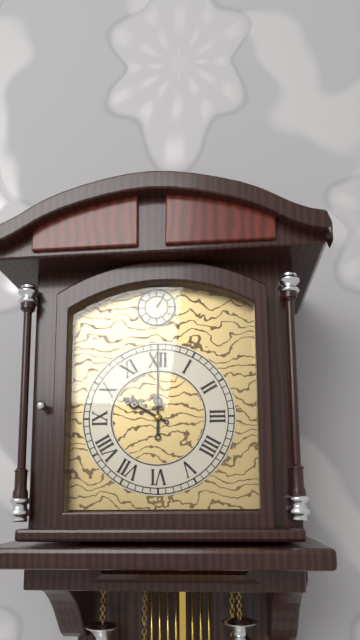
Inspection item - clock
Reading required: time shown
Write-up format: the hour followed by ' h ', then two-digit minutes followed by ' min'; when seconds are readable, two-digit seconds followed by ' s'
10 h 00 min
